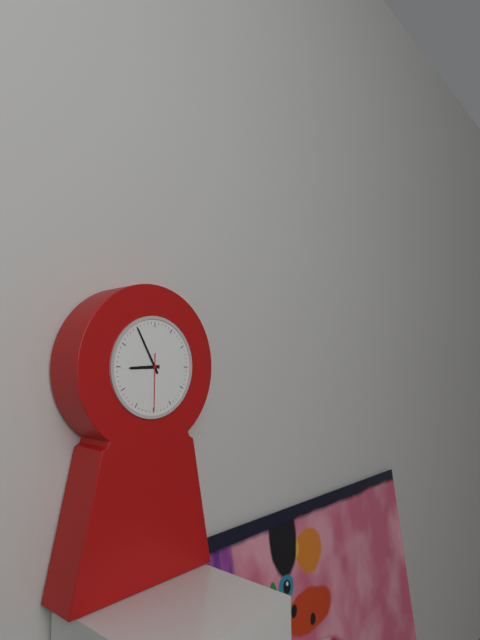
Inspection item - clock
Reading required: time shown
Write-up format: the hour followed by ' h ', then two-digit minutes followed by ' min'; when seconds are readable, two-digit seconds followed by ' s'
8 h 55 min 30 s
